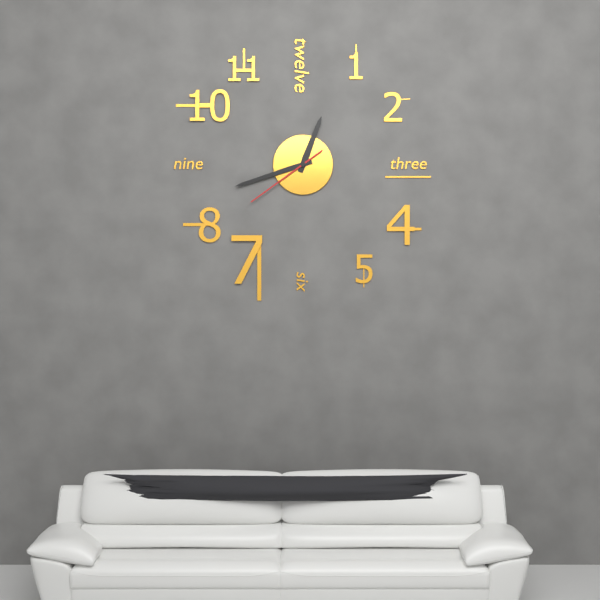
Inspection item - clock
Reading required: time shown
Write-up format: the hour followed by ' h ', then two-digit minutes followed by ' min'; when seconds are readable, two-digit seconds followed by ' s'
12 h 42 min 39 s
